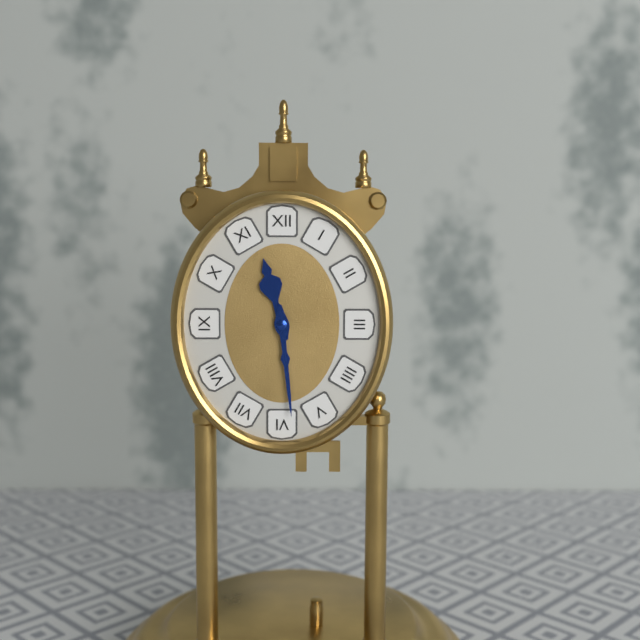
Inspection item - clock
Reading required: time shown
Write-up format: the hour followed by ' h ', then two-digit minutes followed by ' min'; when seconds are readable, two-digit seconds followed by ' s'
11 h 29 min
